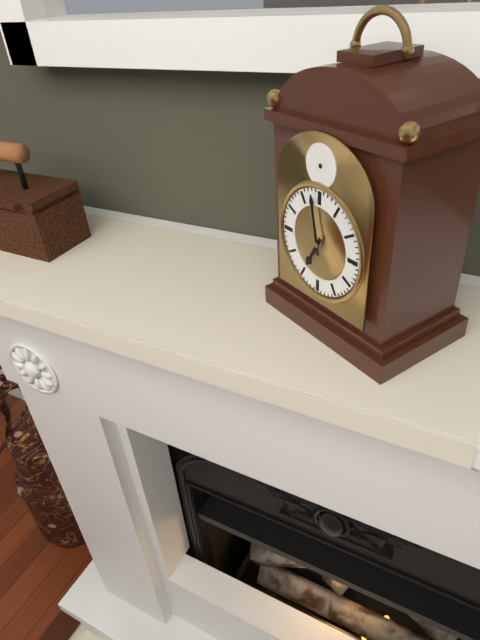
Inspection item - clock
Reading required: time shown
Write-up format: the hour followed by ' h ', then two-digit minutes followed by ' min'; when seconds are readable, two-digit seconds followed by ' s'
6 h 58 min
